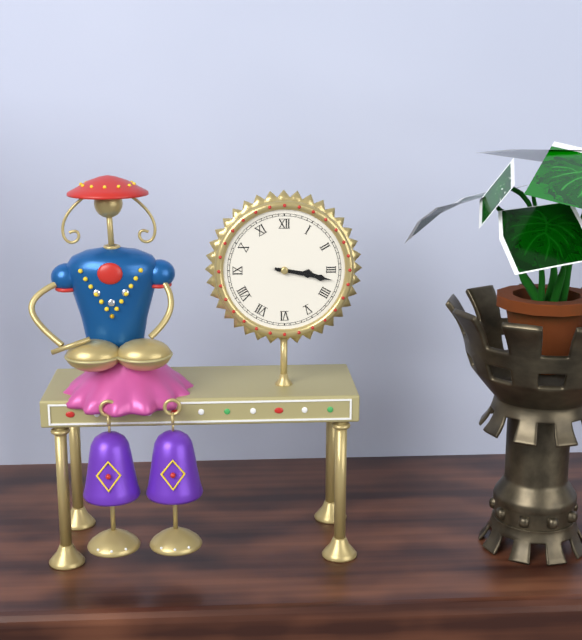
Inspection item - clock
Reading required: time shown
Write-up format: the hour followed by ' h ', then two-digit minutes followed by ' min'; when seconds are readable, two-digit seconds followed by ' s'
3 h 17 min
